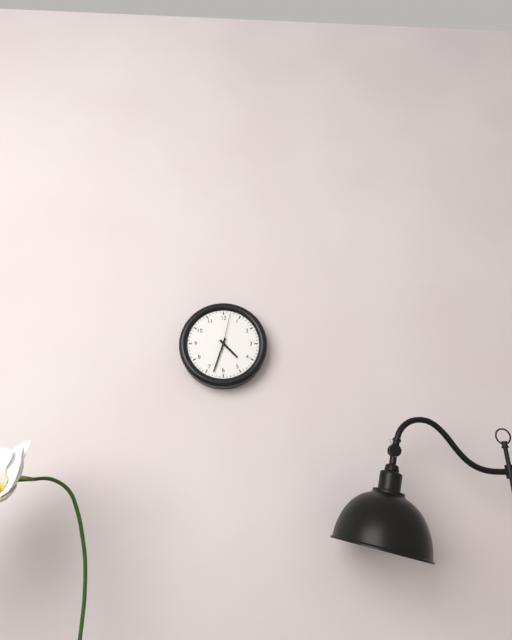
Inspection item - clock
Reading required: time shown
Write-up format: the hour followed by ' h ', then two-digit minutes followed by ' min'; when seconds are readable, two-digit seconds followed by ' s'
4 h 33 min
